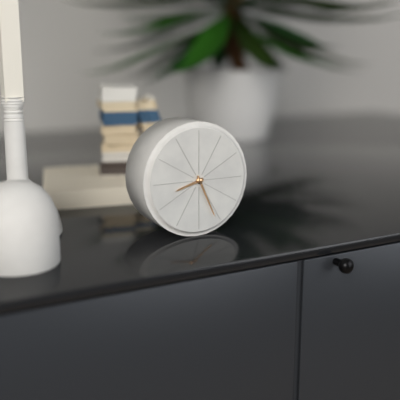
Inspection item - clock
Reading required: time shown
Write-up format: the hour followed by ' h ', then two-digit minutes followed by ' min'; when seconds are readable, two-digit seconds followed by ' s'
8 h 26 min
